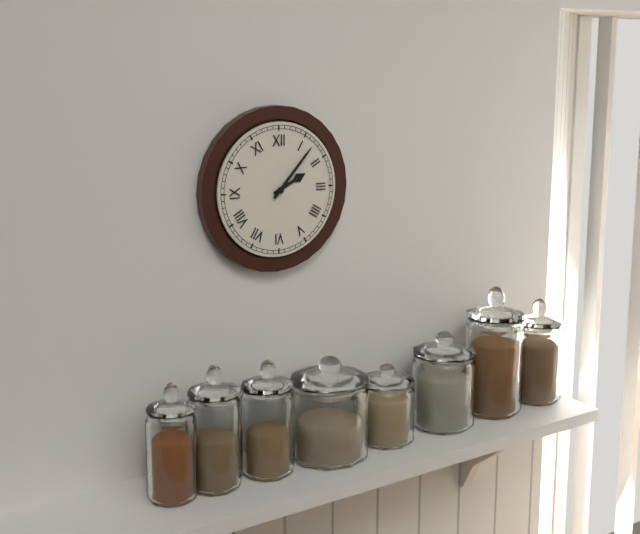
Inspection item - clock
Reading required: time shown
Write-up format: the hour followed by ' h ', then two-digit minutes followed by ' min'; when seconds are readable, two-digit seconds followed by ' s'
2 h 07 min
